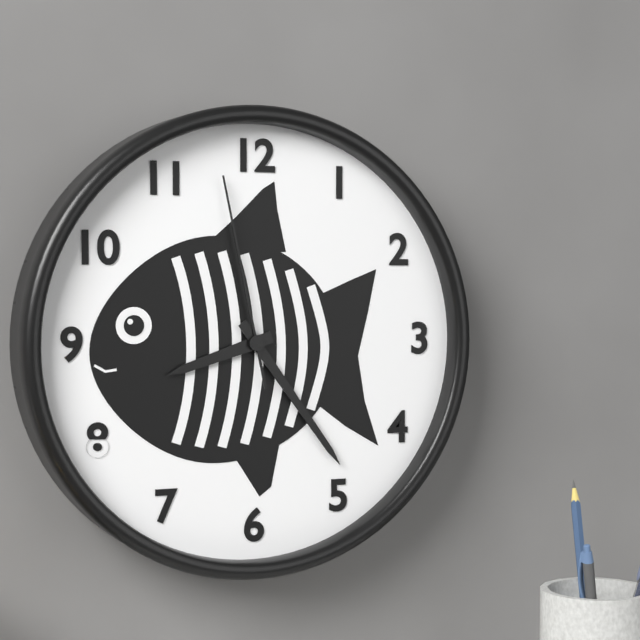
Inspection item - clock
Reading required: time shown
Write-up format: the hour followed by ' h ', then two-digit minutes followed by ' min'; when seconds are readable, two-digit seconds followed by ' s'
8 h 24 min 58 s
